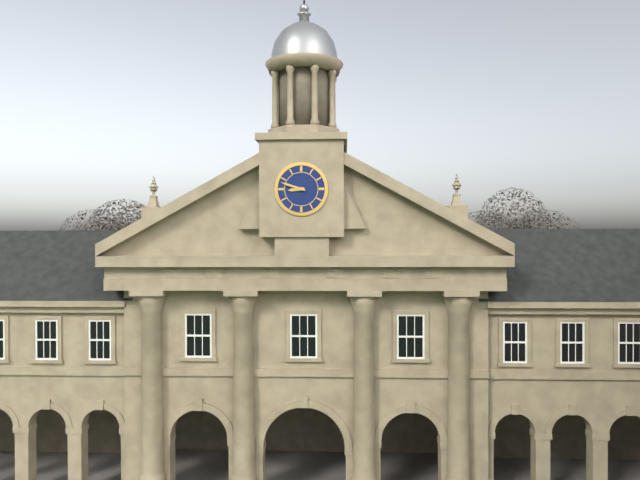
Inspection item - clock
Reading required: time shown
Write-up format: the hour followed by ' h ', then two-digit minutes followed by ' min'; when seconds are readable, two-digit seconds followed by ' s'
8 h 48 min
